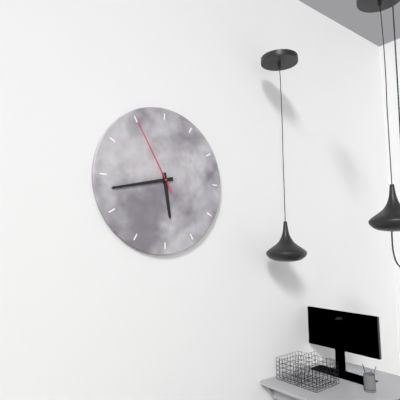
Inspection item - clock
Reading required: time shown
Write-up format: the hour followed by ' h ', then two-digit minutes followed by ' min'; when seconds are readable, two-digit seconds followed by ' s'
5 h 43 min 55 s
